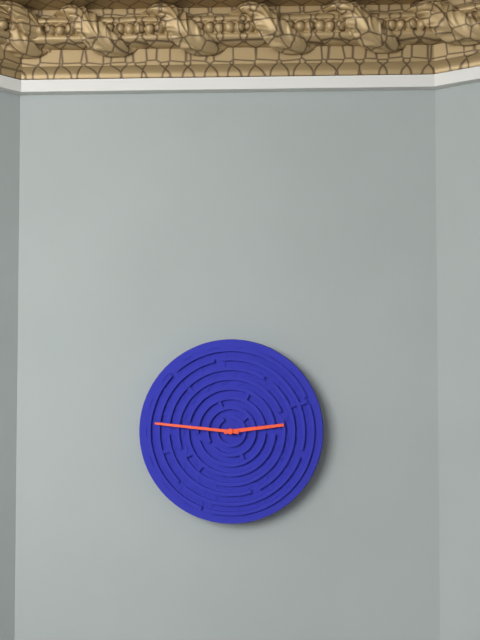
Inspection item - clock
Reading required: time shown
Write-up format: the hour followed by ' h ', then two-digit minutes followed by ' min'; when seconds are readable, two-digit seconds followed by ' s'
2 h 46 min
